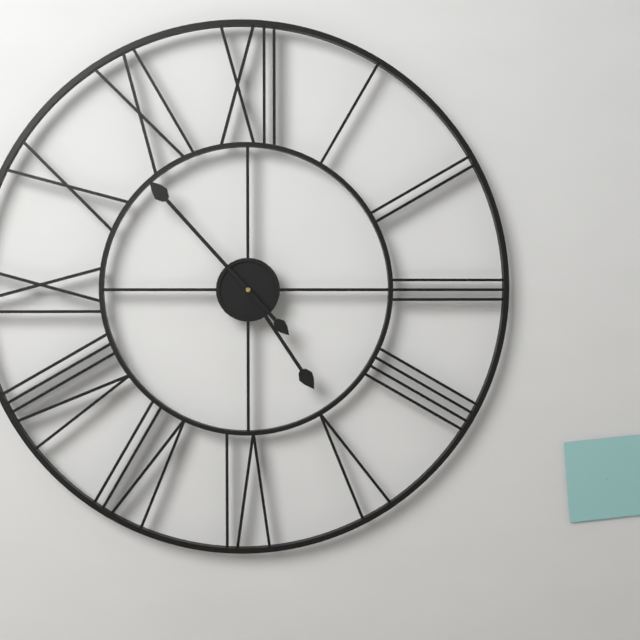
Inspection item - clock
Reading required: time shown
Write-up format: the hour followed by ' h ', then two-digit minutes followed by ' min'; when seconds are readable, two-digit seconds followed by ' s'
4 h 53 min
